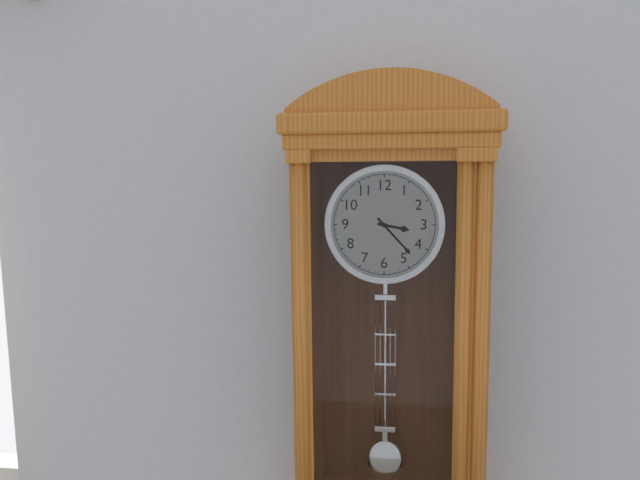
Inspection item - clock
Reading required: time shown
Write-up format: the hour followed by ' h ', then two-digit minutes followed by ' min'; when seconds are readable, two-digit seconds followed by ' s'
3 h 23 min
